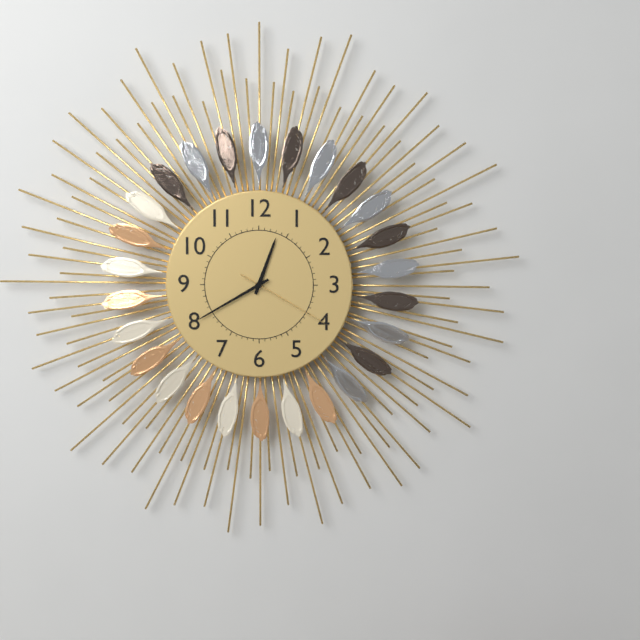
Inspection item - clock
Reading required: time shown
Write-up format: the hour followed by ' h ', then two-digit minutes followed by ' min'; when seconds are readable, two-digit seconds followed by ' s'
12 h 40 min 20 s
